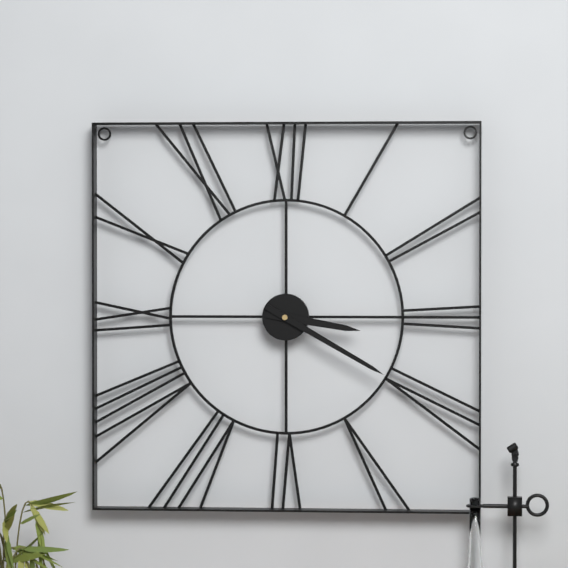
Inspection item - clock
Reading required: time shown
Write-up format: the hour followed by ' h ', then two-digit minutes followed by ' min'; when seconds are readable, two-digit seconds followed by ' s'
3 h 20 min
